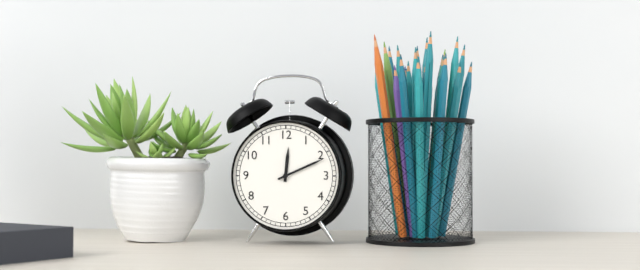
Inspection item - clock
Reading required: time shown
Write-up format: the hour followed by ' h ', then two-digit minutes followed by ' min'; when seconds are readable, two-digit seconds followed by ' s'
12 h 11 min
